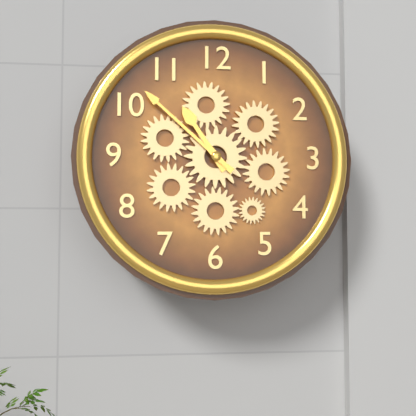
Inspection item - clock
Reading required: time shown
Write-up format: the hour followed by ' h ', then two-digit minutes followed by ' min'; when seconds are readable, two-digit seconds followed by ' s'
10 h 52 min
